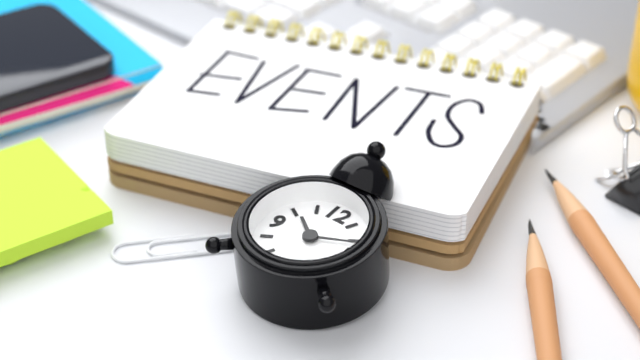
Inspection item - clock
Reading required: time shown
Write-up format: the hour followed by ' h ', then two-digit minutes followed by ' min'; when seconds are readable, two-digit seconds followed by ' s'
10 h 11 min
